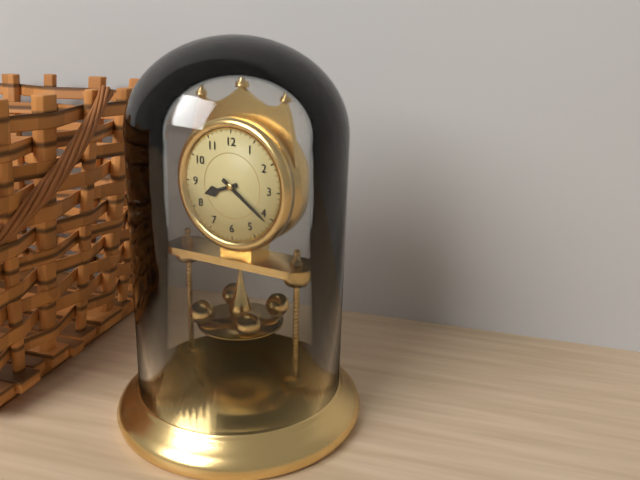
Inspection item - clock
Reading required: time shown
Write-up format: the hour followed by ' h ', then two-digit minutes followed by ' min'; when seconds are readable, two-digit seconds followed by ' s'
8 h 21 min
